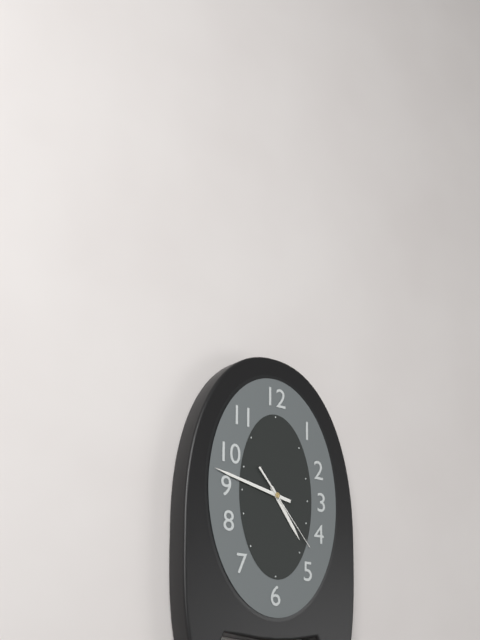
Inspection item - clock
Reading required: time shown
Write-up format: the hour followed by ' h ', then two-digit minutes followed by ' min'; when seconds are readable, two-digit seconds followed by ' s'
4 h 47 min 23 s
